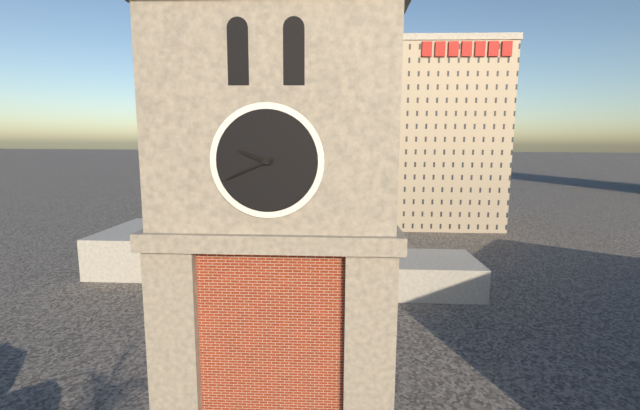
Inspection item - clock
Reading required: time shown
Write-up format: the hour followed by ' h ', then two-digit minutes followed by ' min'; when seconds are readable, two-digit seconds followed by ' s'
9 h 41 min
